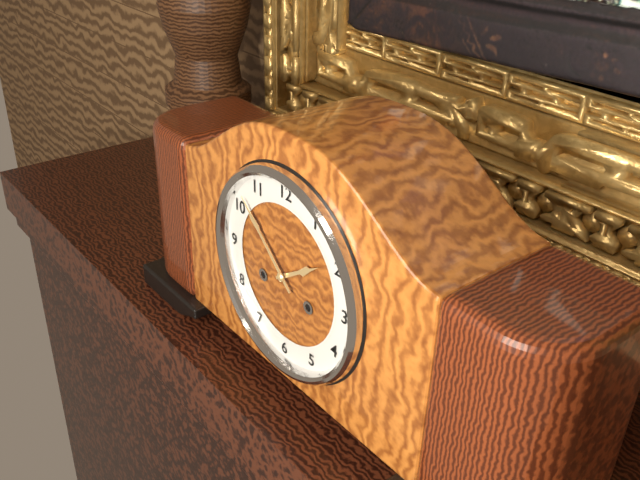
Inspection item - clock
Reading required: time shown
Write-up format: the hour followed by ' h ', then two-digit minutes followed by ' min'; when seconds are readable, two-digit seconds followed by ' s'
1 h 52 min
